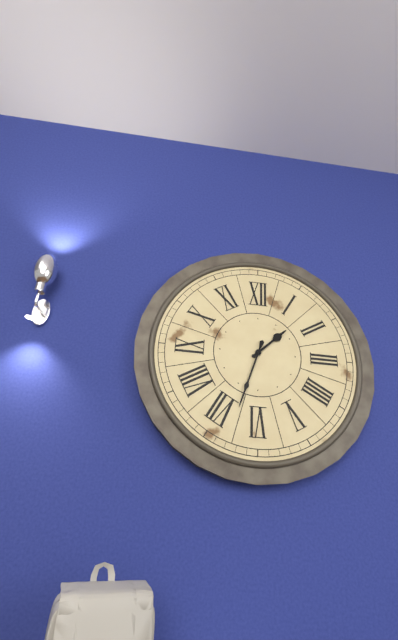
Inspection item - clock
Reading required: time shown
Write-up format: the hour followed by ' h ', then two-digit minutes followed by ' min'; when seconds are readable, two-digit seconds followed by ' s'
1 h 33 min
